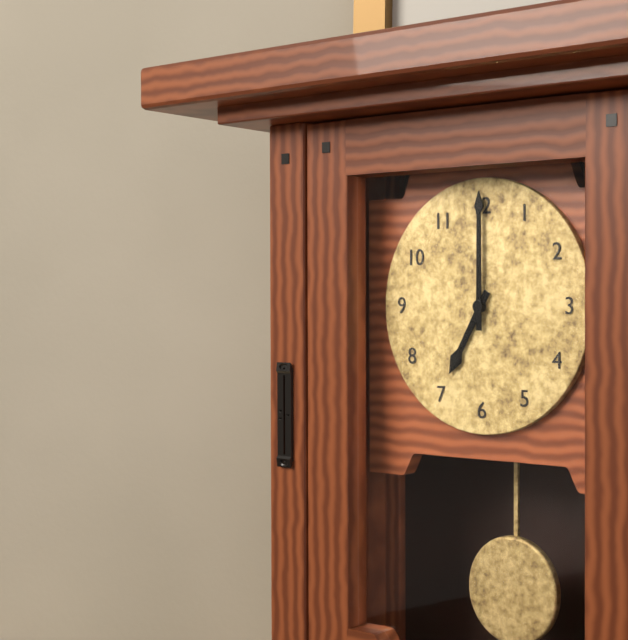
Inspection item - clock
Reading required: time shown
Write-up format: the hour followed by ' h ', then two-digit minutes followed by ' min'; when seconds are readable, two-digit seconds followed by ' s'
7 h 00 min
